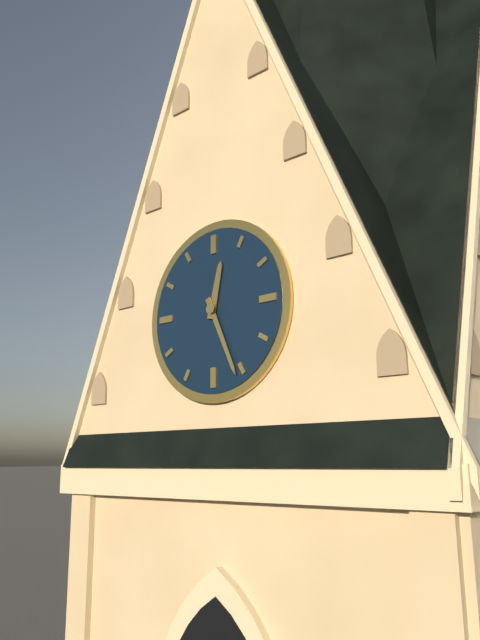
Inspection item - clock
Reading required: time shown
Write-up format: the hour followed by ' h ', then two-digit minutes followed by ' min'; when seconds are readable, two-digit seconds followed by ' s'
12 h 26 min
